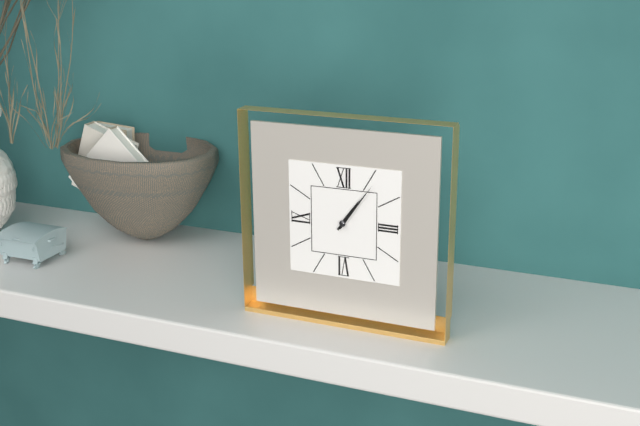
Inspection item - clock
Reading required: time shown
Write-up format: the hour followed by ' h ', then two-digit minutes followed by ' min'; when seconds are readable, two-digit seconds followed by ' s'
1 h 06 min
